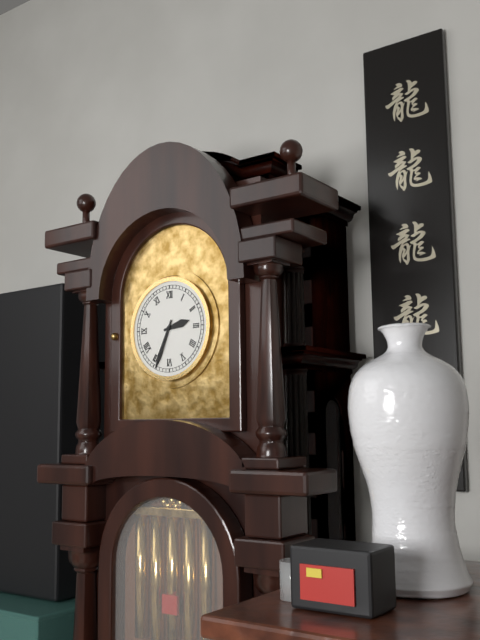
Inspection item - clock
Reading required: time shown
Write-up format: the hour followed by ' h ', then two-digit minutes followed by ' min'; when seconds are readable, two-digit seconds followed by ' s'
2 h 34 min
